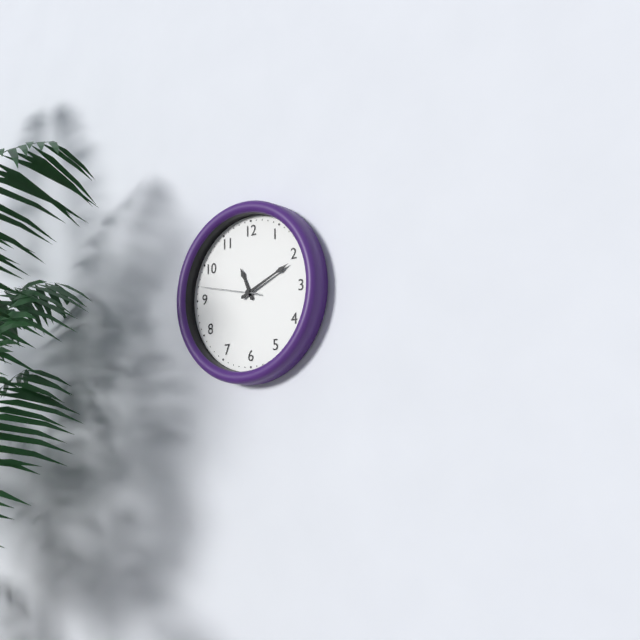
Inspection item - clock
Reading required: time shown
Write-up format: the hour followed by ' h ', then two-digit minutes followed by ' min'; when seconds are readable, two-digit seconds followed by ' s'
11 h 11 min 47 s
